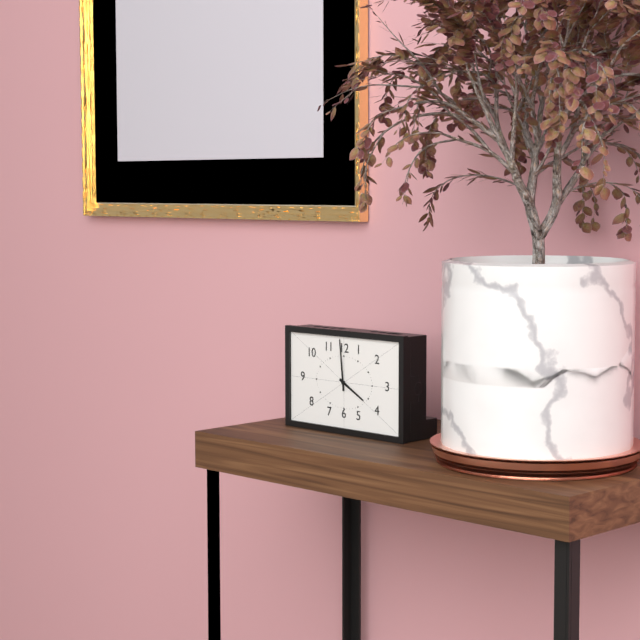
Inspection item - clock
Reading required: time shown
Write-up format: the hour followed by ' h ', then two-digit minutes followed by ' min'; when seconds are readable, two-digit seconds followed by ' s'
3 h 59 min
